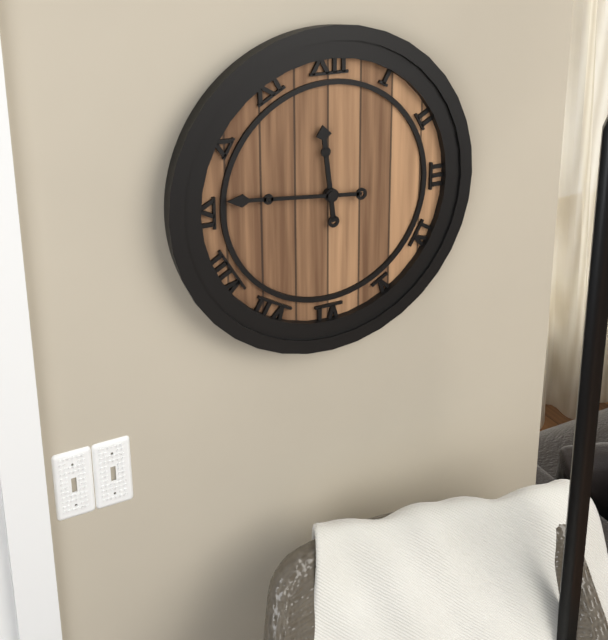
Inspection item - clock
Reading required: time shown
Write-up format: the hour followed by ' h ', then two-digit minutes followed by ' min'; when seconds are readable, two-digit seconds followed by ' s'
11 h 46 min
